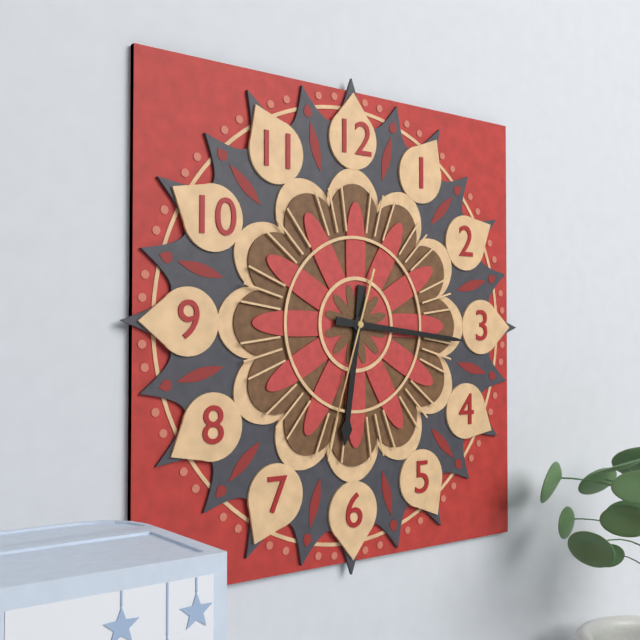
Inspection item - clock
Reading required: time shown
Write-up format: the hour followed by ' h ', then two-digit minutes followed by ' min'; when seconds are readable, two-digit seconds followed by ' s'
6 h 16 min 33 s
